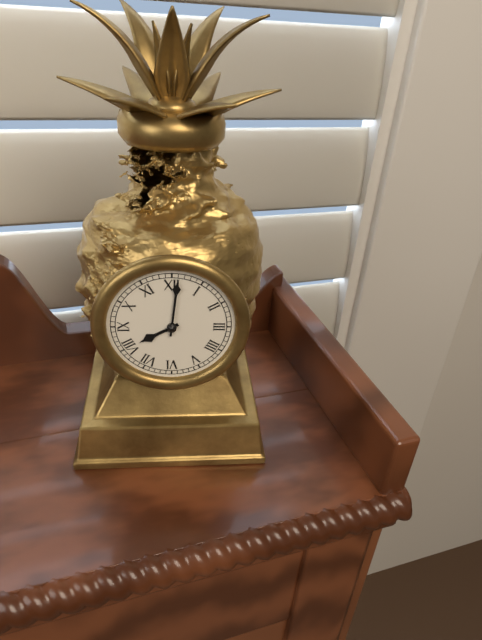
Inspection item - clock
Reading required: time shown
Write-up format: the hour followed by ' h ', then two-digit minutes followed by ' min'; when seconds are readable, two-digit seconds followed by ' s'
8 h 01 min
